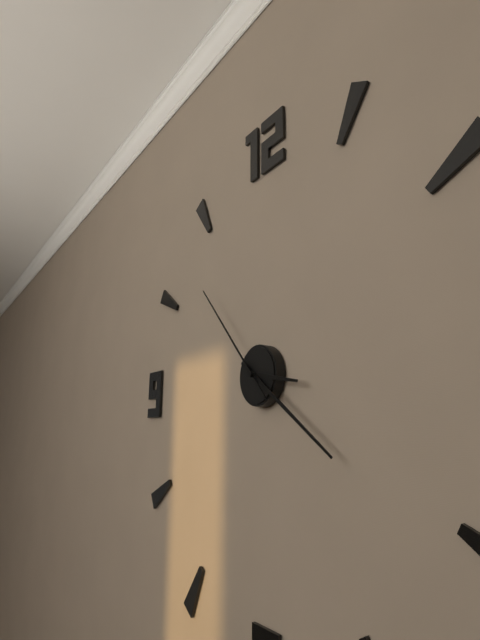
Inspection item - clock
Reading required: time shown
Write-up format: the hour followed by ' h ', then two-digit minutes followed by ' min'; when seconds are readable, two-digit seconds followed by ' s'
3 h 21 min 53 s
